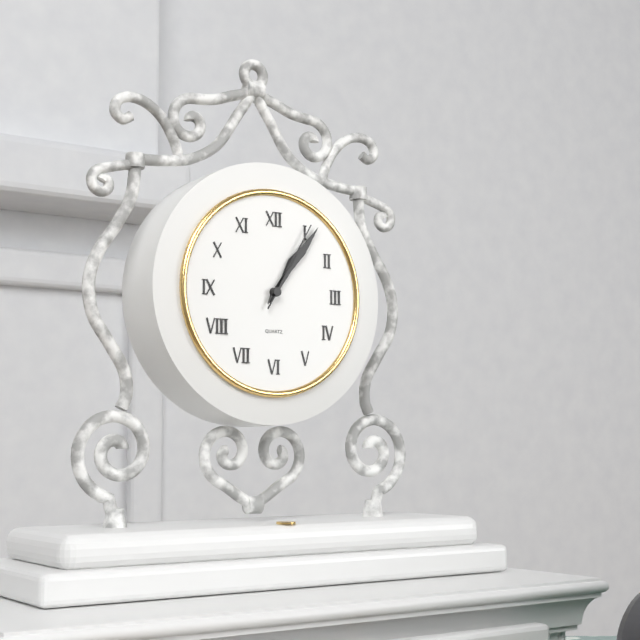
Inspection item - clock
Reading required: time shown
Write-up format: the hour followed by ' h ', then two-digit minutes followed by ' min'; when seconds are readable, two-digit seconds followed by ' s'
1 h 06 min 05 s
